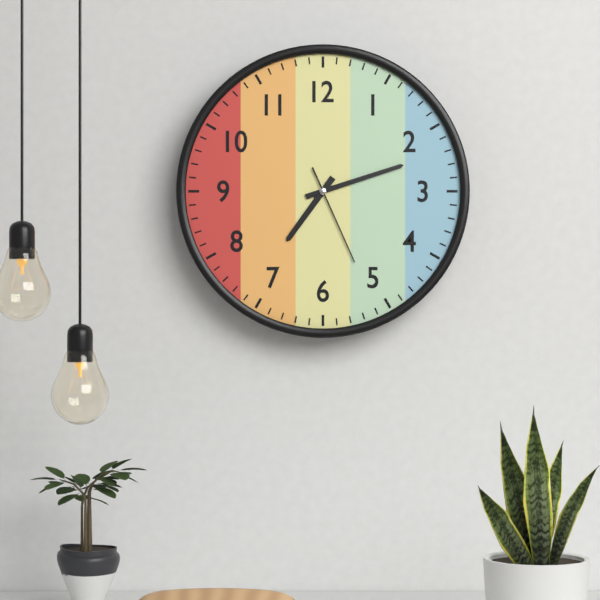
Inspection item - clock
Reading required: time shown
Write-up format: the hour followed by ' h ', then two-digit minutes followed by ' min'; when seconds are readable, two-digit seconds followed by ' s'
7 h 12 min 26 s
